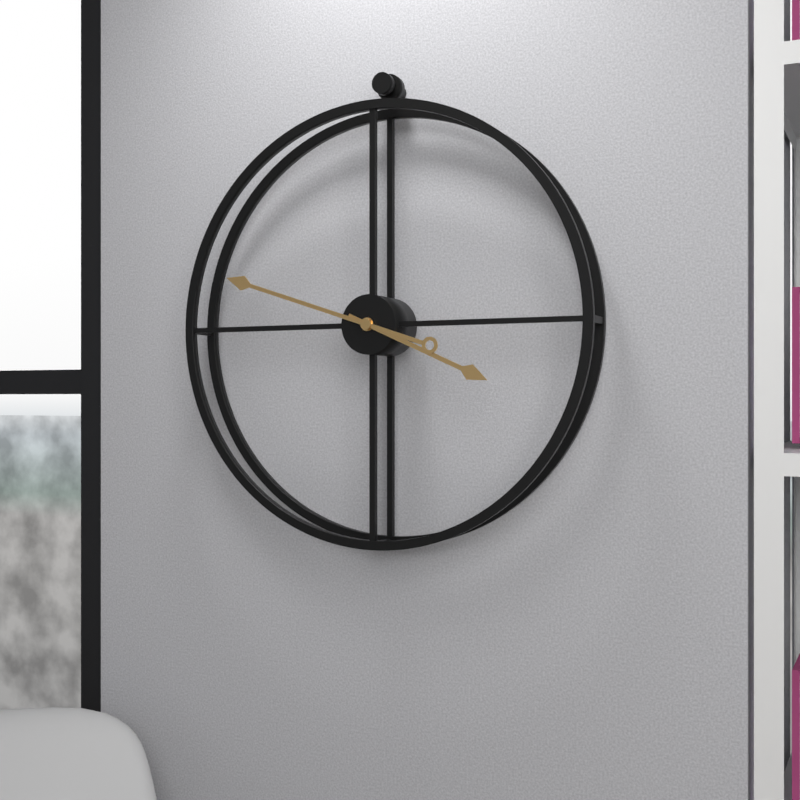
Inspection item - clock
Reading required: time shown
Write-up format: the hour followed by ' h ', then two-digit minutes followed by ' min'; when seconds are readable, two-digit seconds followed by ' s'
3 h 48 min
